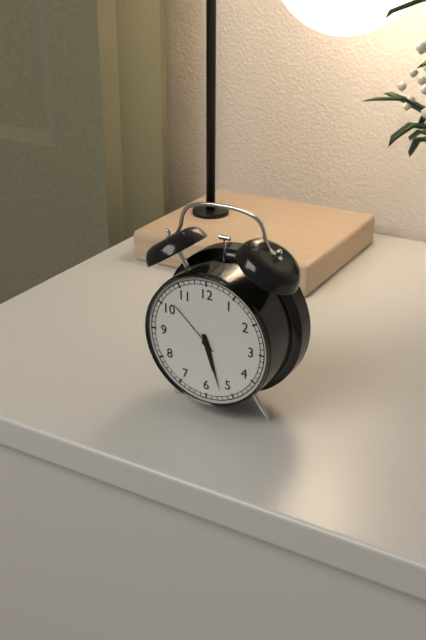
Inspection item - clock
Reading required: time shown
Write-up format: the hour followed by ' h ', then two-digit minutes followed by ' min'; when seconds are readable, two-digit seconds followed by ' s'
5 h 27 min 52 s
